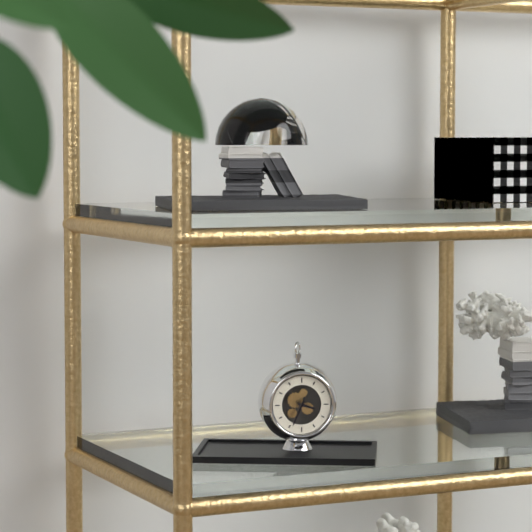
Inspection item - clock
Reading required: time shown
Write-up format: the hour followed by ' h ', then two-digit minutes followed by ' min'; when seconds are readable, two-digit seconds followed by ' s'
3 h 34 min
